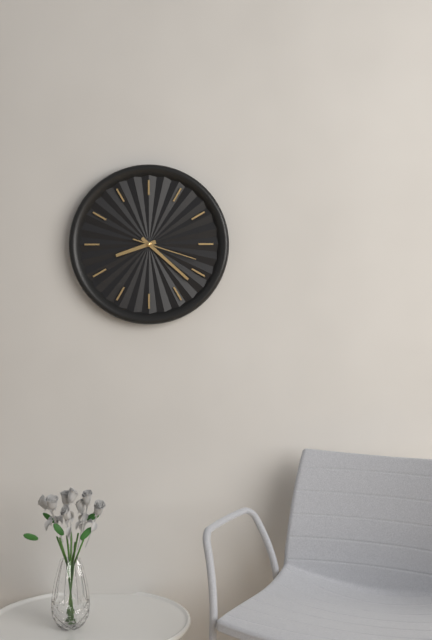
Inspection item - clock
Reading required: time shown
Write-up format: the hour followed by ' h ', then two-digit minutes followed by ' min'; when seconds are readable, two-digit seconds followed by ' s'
8 h 22 min 18 s
